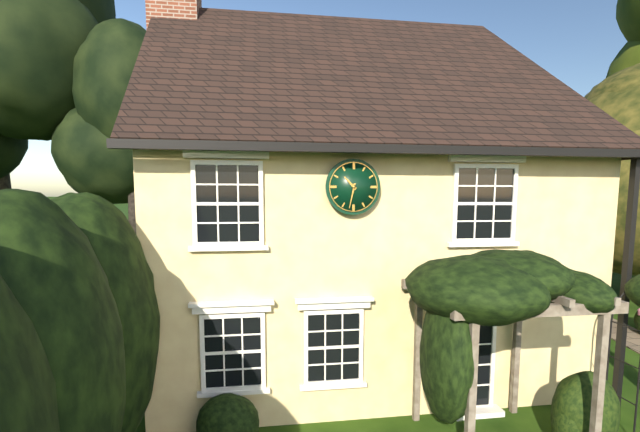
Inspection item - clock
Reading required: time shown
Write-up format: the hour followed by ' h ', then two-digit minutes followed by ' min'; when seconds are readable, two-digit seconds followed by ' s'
10 h 32 min
